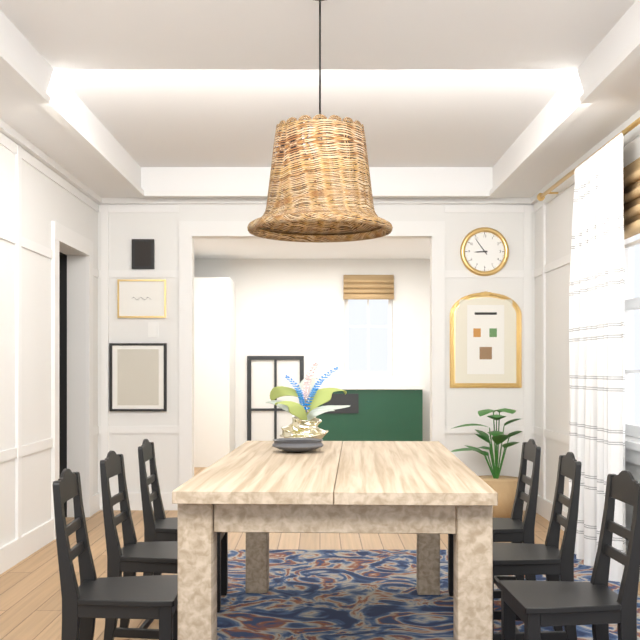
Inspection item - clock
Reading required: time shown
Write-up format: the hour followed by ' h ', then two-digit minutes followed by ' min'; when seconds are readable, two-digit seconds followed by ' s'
8 h 54 min
